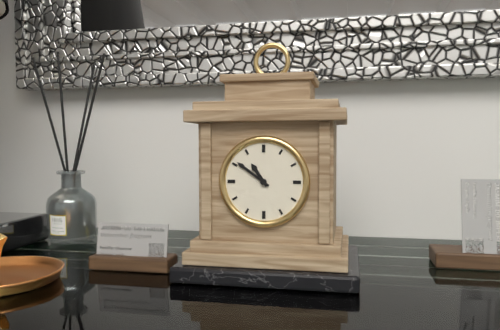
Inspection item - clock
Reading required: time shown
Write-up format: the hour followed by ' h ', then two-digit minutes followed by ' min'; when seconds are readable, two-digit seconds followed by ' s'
10 h 51 min
